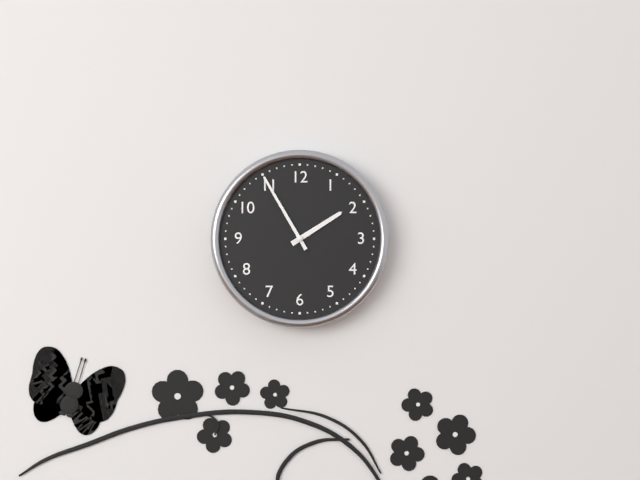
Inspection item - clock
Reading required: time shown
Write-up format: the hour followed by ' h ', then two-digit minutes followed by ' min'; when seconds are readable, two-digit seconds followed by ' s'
1 h 55 min
